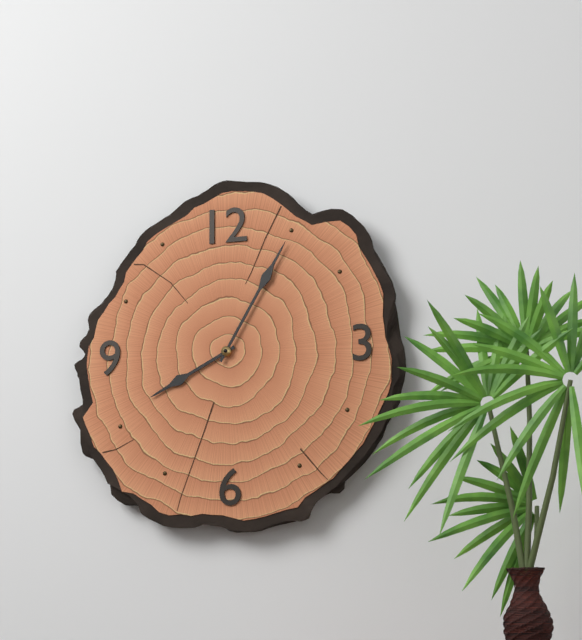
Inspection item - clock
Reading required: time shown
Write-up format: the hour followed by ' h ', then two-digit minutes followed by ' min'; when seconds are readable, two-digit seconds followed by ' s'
8 h 05 min
